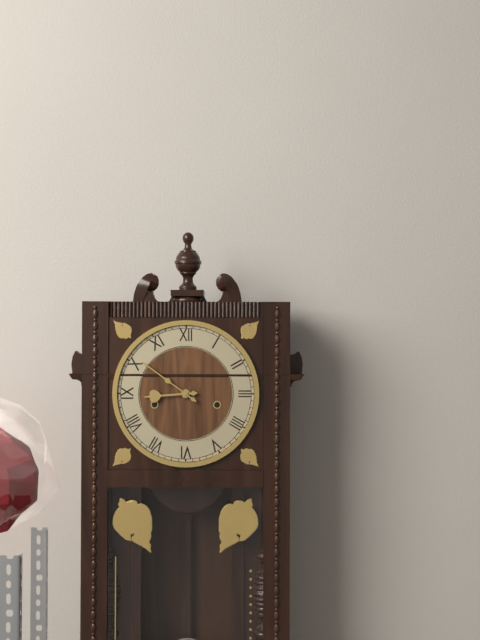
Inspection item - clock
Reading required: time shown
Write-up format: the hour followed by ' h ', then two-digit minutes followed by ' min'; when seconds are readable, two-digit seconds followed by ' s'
8 h 51 min
